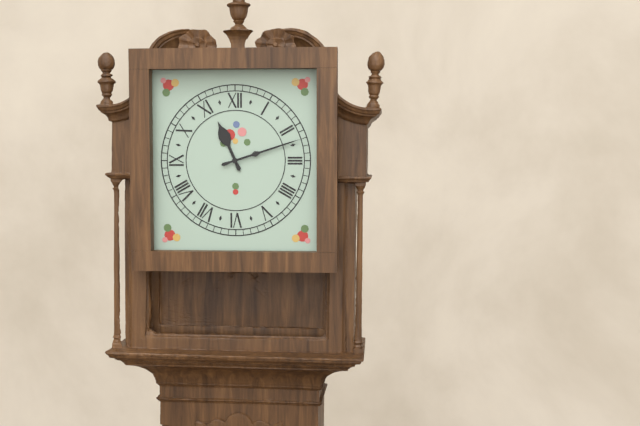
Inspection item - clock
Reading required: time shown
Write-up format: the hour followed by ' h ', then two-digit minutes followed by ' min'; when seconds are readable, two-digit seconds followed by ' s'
11 h 12 min
